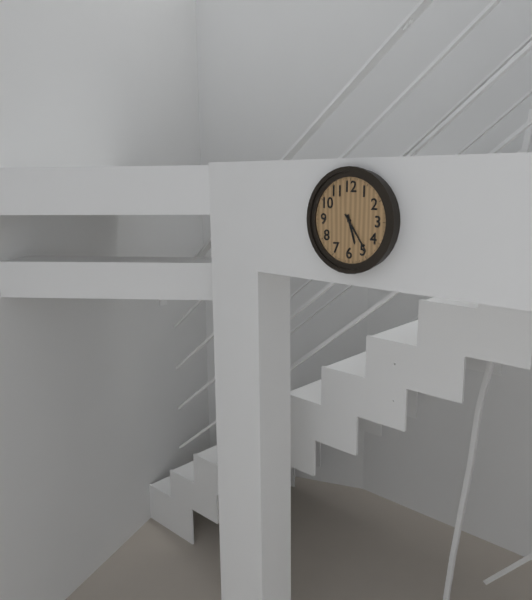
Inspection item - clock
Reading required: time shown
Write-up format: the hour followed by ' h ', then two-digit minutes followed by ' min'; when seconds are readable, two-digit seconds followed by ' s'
5 h 24 min
